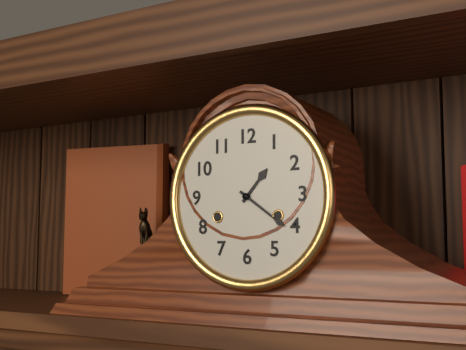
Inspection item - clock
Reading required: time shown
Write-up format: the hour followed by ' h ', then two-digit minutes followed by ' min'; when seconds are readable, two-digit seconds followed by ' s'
1 h 21 min
